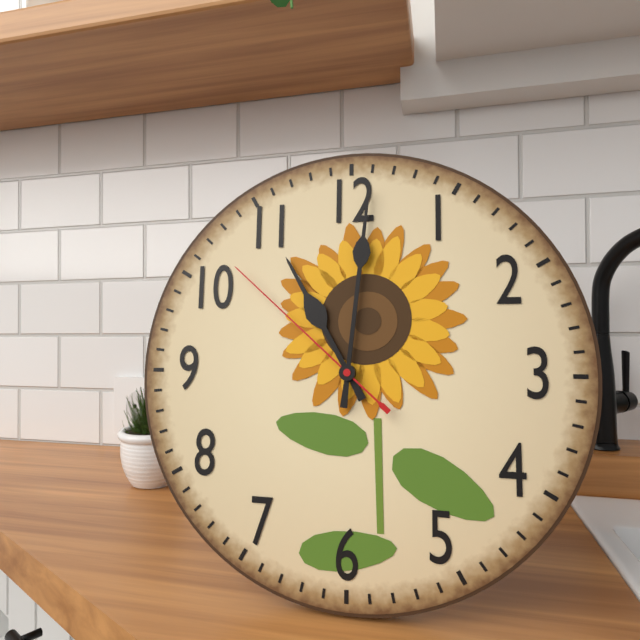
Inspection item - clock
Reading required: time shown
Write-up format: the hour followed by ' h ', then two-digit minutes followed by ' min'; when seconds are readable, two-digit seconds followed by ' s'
11 h 01 min 52 s
